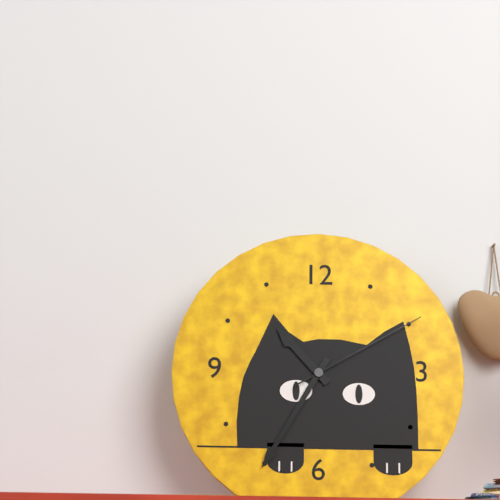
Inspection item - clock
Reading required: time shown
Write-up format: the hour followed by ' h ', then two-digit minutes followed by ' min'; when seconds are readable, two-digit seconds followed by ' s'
10 h 35 min 10 s
